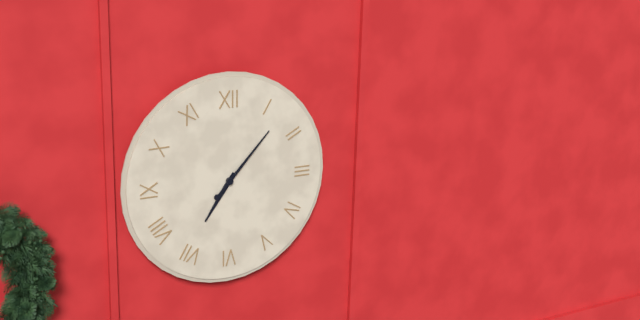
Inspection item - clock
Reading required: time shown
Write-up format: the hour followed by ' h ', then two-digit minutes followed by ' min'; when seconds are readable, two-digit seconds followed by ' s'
7 h 07 min
